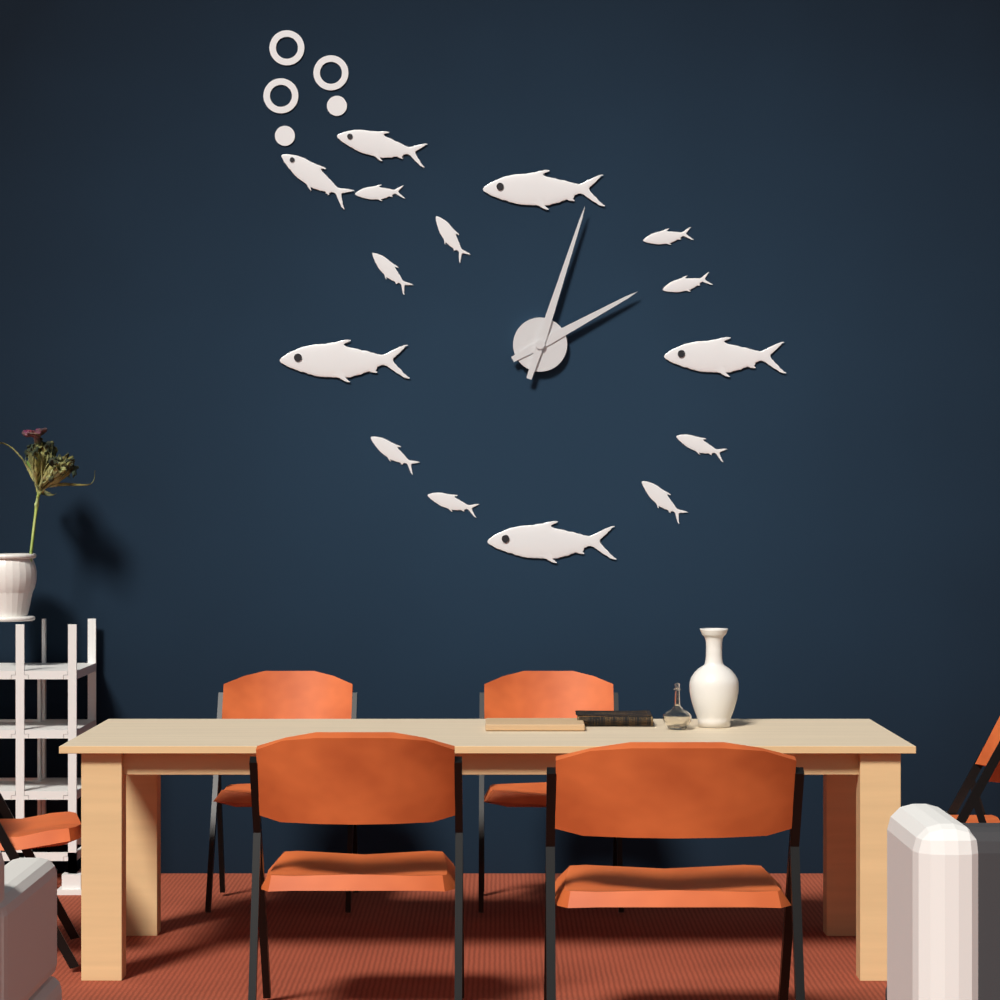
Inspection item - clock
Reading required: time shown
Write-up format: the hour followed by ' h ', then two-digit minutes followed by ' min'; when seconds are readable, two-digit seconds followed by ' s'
2 h 03 min
